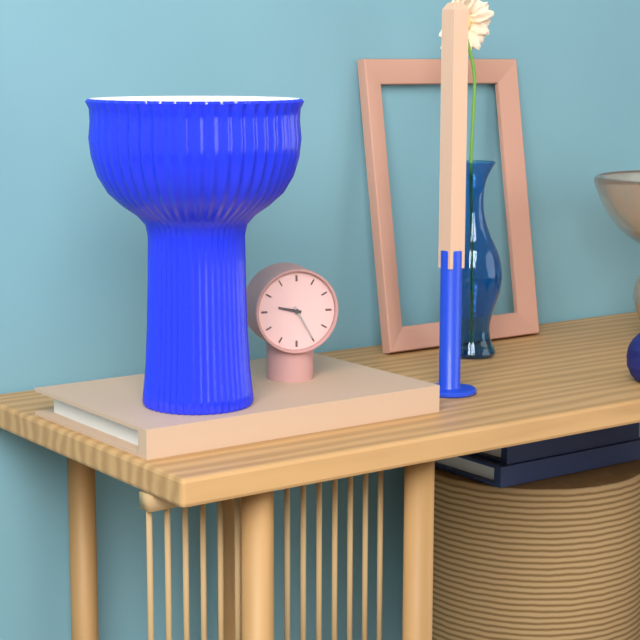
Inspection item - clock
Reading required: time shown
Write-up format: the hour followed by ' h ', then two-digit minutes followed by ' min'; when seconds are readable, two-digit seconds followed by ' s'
9 h 25 min
